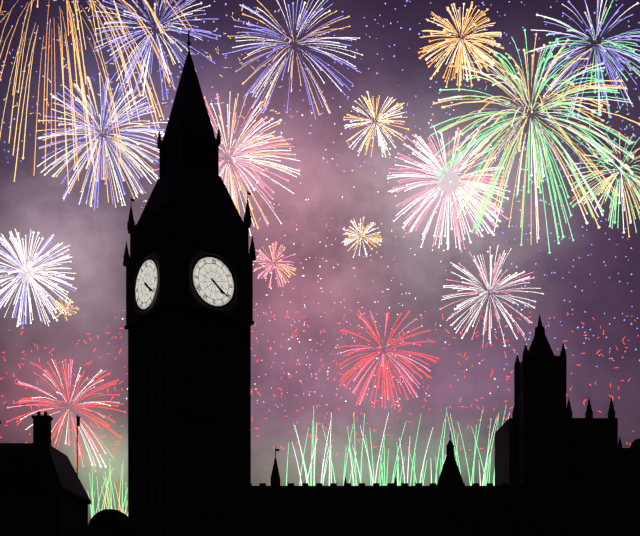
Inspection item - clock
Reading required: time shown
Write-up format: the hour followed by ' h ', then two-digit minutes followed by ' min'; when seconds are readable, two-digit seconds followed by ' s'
4 h 21 min
